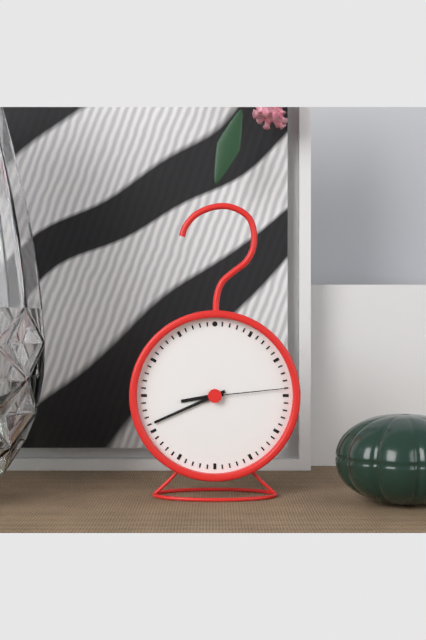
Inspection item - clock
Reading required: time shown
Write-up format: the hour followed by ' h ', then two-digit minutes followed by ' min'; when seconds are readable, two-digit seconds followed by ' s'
8 h 41 min 14 s
